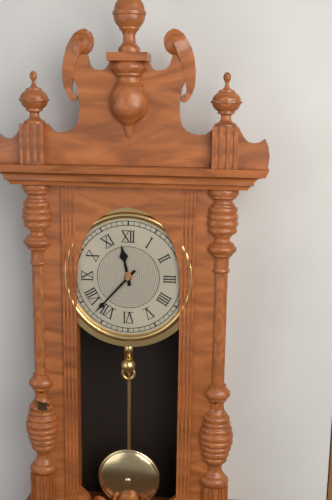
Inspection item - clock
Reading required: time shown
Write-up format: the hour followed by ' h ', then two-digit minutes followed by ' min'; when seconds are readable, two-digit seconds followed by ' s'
11 h 37 min
